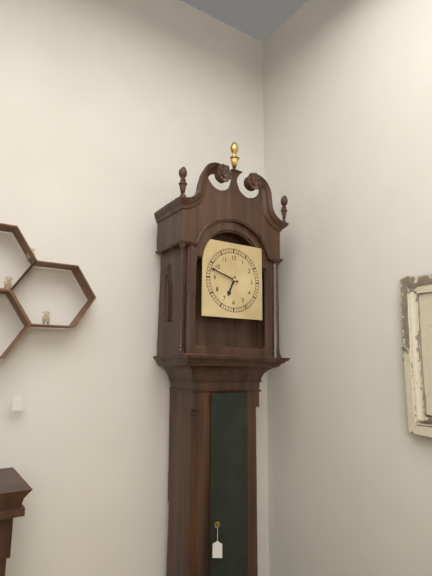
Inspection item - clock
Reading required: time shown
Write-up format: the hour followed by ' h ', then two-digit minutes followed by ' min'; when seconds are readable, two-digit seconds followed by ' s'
6 h 48 min
